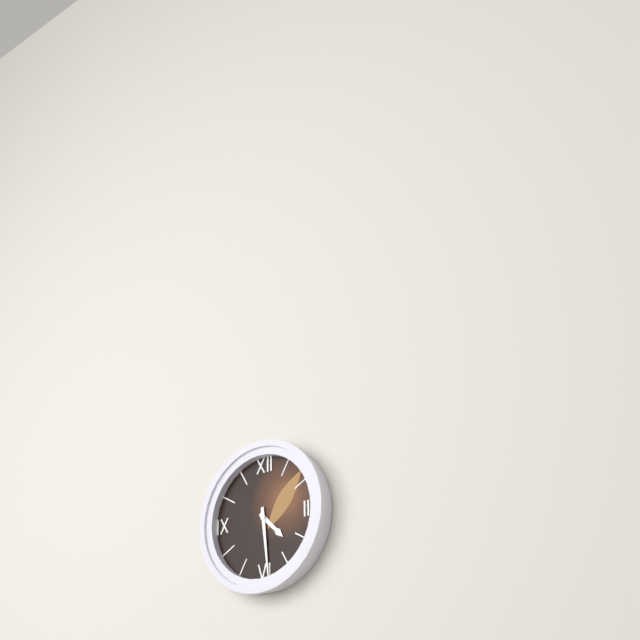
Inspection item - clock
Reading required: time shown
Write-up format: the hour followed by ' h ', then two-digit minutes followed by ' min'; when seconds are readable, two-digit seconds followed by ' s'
4 h 29 min
